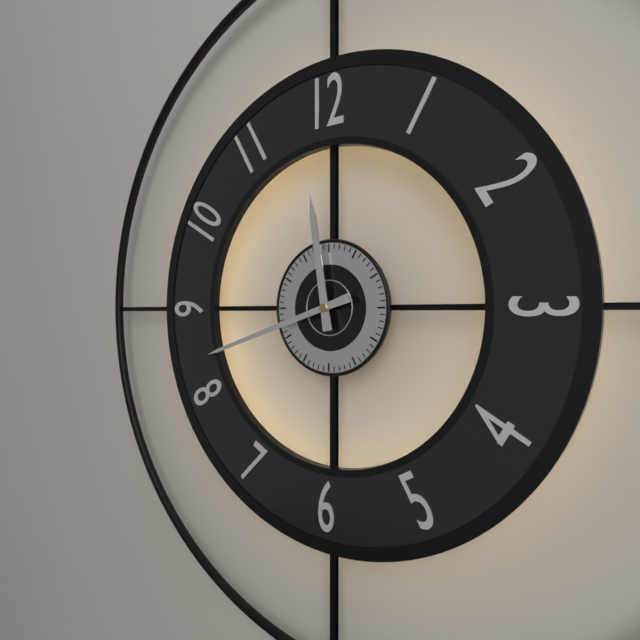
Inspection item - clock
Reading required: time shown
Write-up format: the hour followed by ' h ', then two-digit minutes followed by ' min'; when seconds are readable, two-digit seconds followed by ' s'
11 h 42 min
